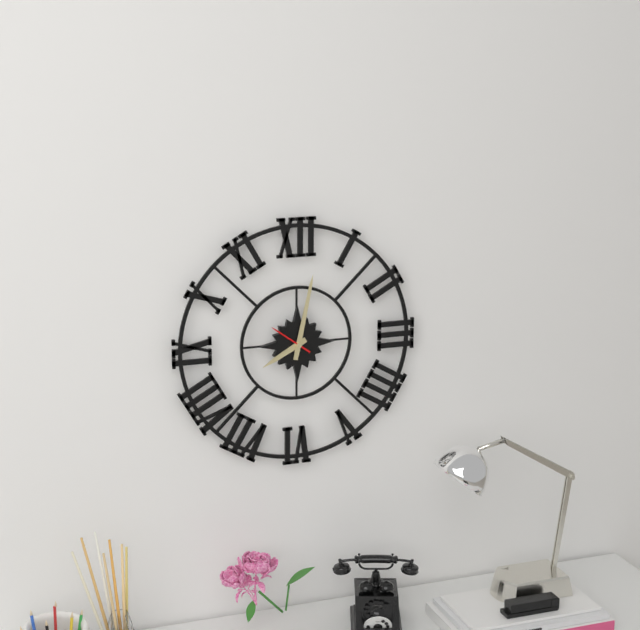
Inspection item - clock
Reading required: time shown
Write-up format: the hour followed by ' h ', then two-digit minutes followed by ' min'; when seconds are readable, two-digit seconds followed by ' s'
8 h 02 min
